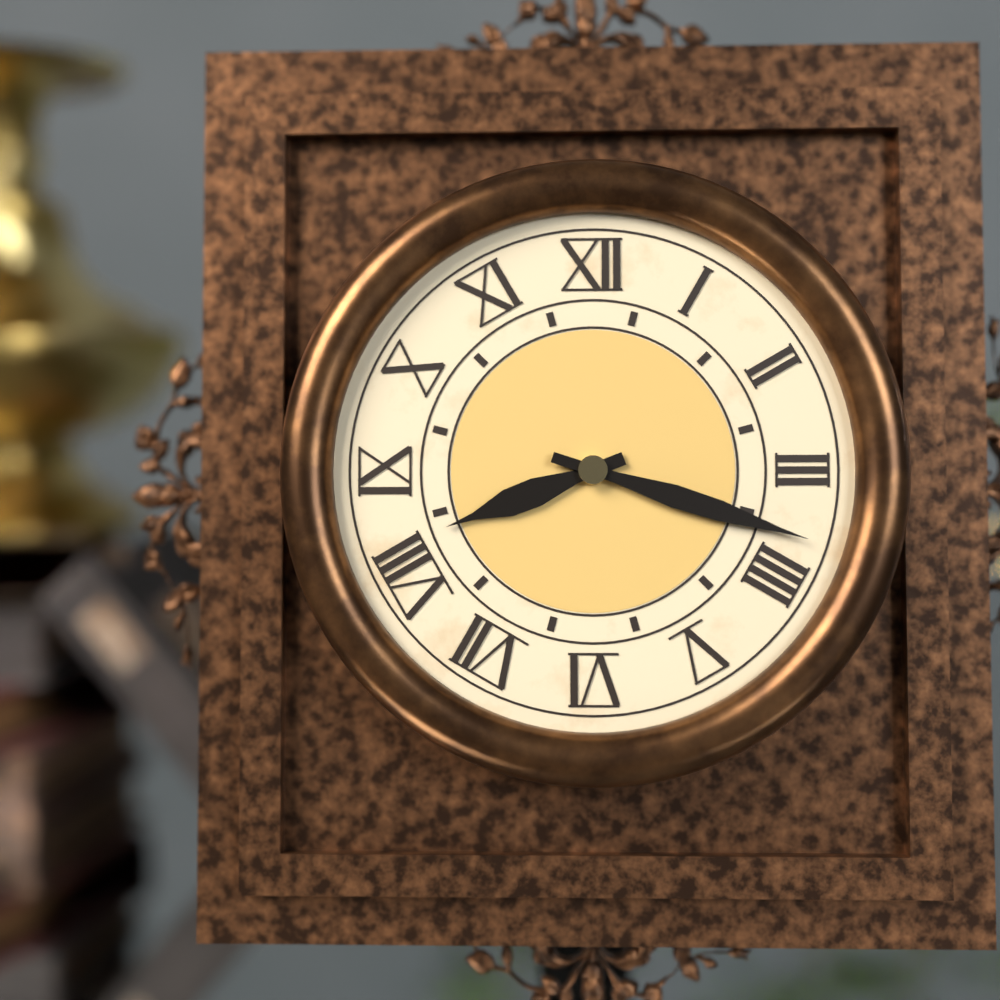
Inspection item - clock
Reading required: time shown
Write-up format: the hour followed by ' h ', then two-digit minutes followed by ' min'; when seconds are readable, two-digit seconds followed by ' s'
8 h 18 min
